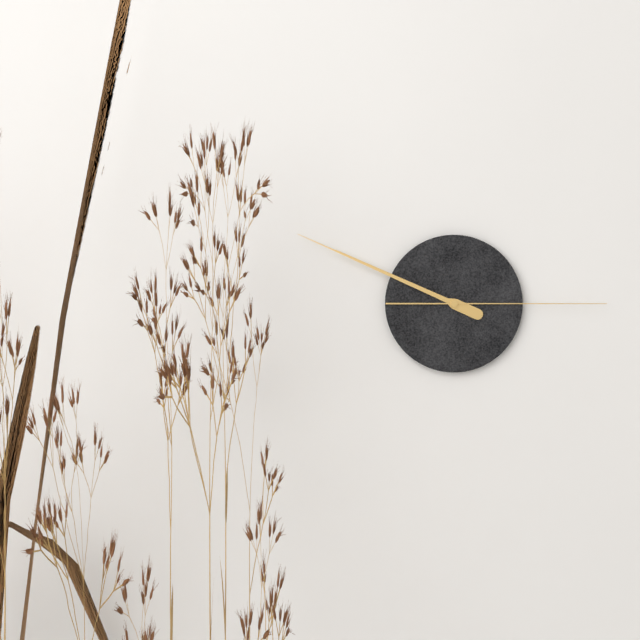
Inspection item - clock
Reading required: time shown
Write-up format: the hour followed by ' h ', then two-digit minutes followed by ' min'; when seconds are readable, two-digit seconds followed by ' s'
9 h 49 min 15 s
